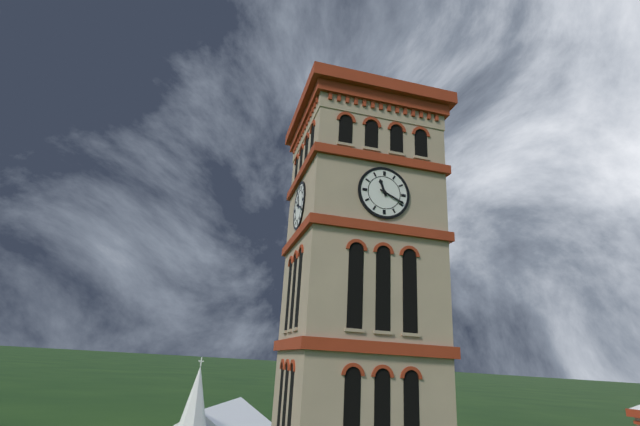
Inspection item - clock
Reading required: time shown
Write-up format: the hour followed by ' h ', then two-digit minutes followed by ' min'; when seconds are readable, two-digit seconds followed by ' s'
11 h 19 min
